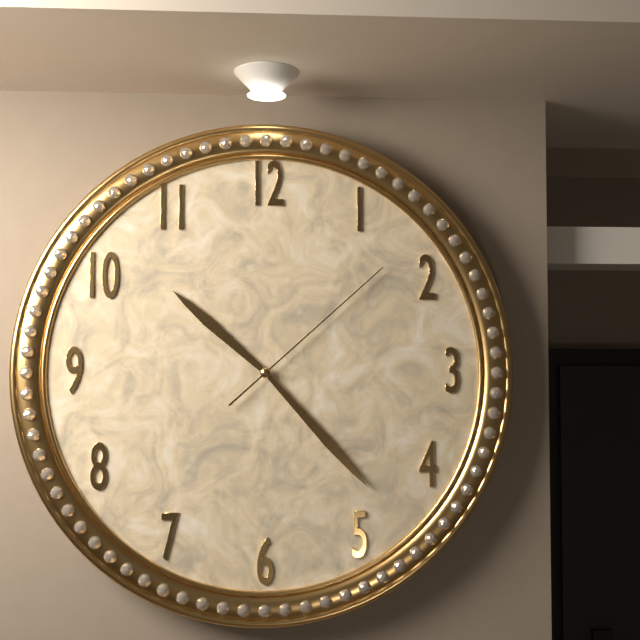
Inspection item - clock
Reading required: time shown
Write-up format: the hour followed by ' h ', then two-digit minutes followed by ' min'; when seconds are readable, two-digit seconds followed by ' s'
10 h 23 min 08 s
